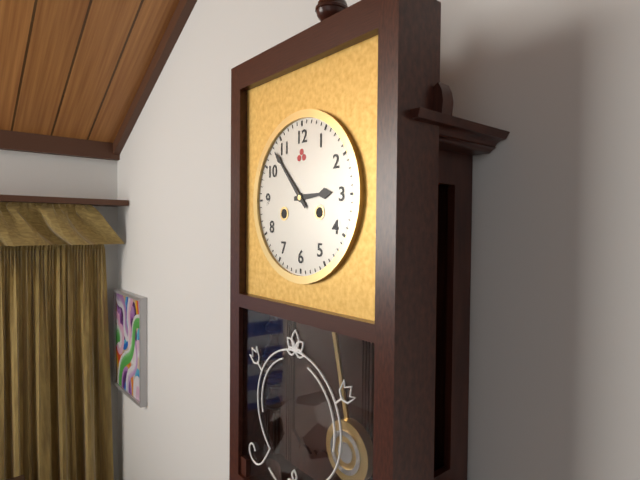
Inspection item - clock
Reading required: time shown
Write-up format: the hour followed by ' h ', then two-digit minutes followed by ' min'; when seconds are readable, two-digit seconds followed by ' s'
2 h 53 min
